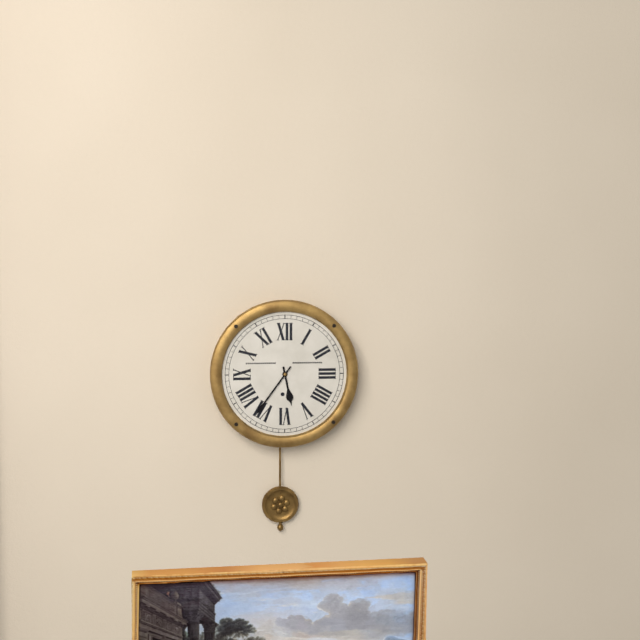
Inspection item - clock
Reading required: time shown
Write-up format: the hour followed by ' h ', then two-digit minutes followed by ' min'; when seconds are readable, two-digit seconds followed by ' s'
5 h 36 min
